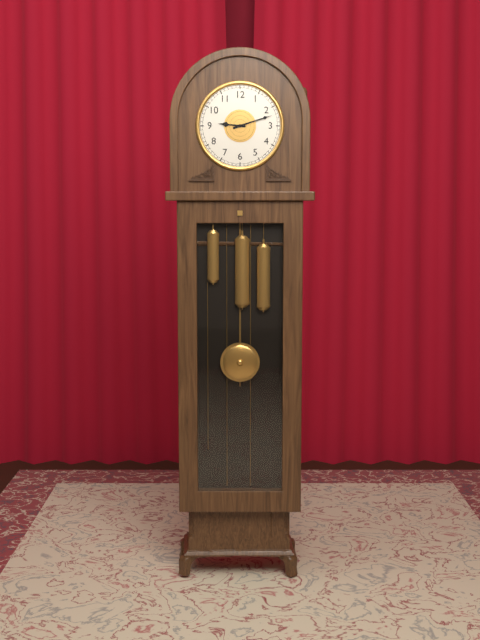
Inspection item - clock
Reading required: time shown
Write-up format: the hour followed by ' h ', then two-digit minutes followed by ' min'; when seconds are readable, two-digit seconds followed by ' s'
9 h 12 min
